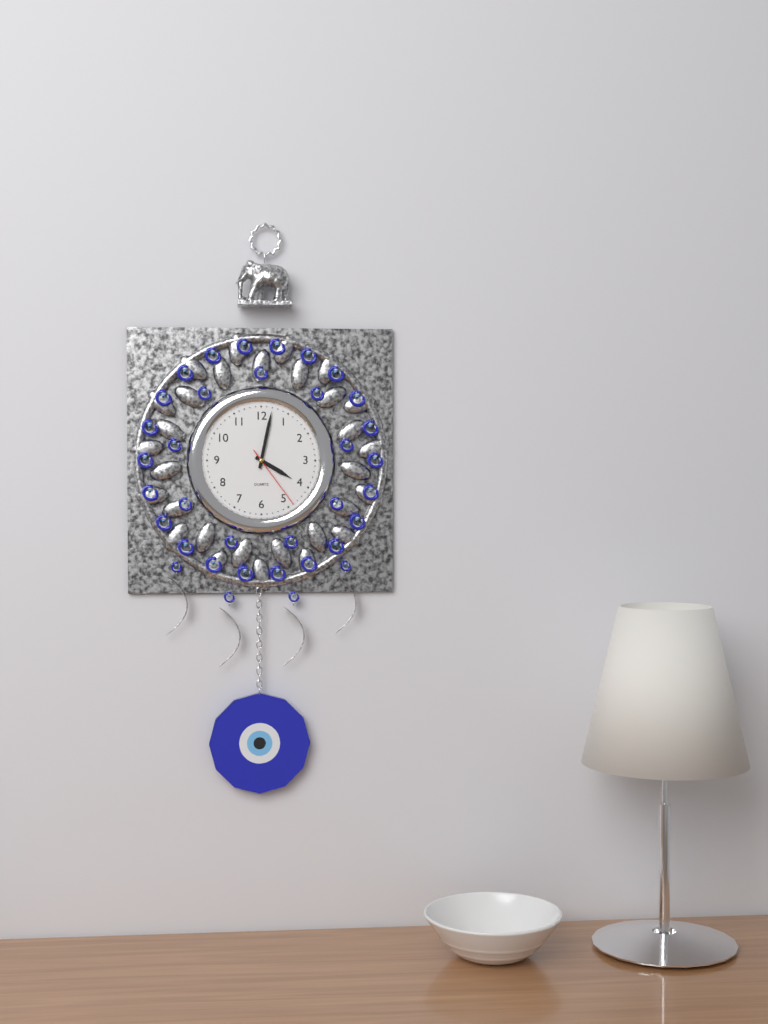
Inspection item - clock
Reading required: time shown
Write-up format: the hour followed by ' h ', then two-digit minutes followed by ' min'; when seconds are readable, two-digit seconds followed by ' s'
4 h 02 min 24 s
